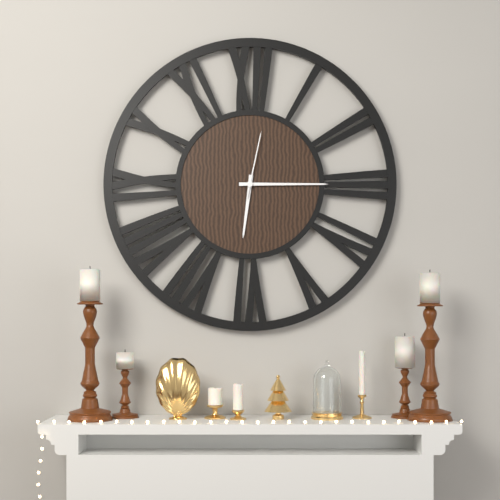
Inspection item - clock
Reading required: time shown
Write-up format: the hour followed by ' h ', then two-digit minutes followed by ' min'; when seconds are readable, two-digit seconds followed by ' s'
6 h 15 min 02 s
